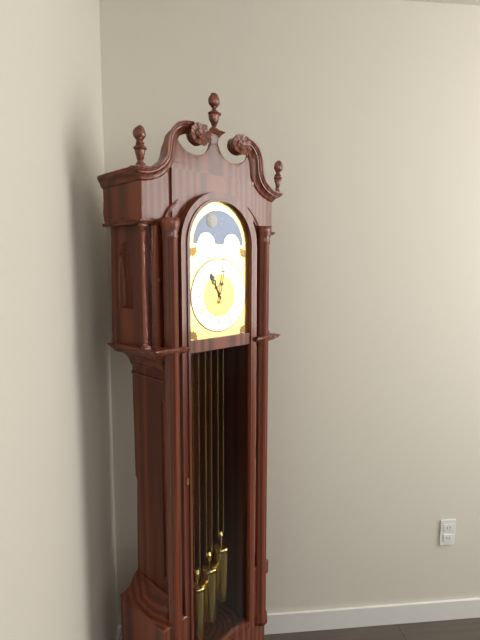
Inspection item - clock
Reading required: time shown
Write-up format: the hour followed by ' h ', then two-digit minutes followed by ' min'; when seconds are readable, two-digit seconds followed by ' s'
11 h 02 min
